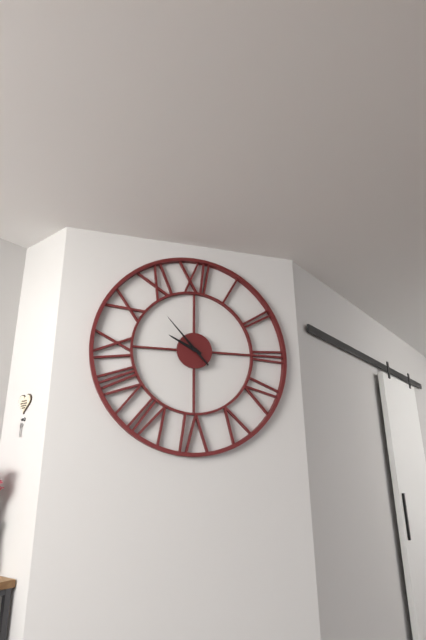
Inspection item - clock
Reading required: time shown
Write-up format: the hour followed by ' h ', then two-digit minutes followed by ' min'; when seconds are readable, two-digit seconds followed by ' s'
9 h 53 min
